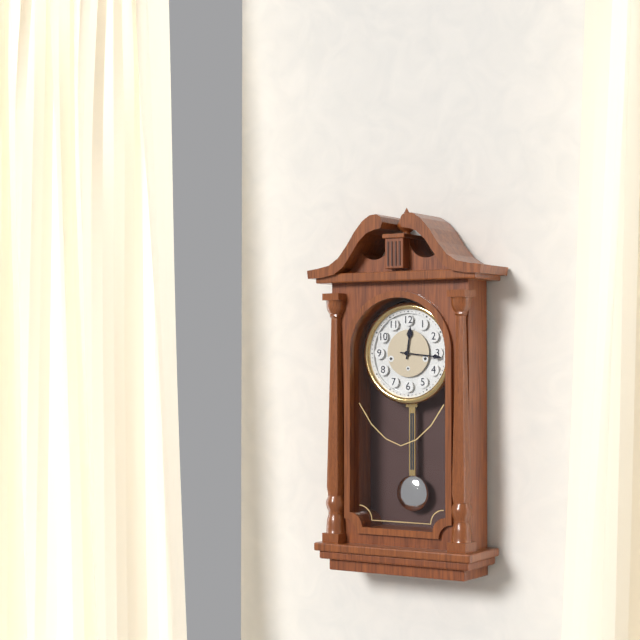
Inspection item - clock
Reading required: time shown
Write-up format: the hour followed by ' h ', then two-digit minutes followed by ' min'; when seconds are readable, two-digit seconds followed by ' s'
12 h 16 min
